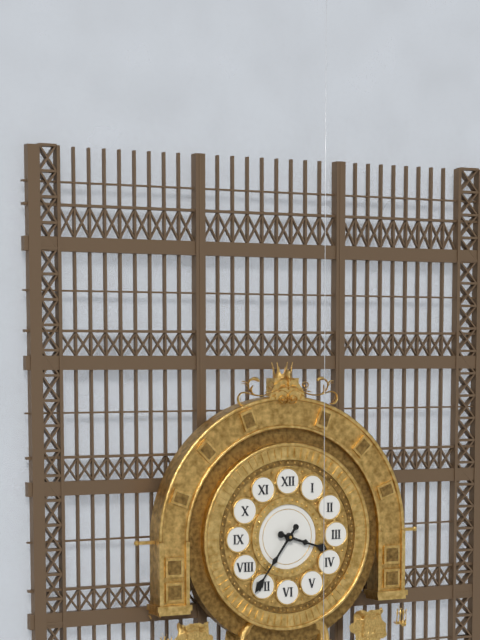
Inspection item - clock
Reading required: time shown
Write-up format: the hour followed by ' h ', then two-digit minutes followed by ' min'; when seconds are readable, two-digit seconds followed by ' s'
3 h 36 min
